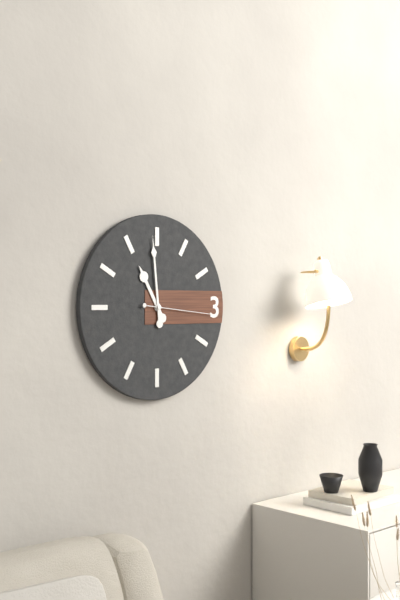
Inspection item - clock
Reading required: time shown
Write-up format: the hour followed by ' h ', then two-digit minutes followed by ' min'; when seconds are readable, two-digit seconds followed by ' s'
10 h 59 min 16 s
